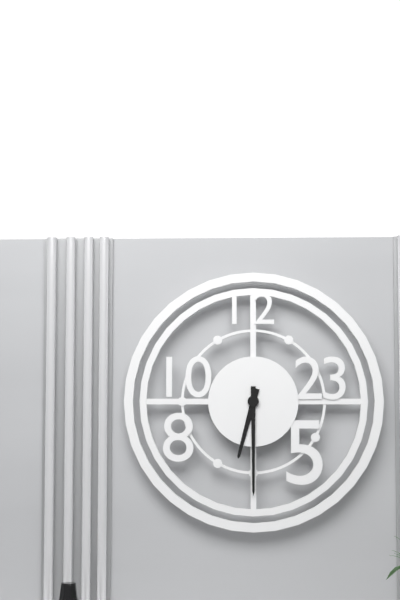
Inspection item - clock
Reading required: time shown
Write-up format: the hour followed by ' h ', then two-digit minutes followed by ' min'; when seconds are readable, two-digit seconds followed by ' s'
6 h 30 min
